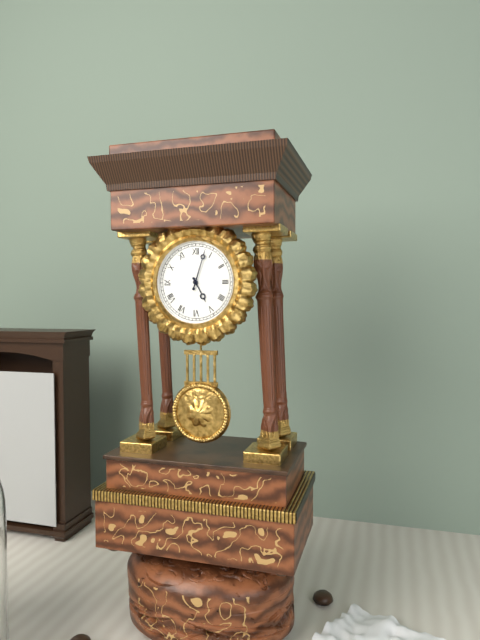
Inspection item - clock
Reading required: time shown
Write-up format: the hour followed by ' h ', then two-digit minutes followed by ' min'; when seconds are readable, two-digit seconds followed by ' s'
5 h 03 min
